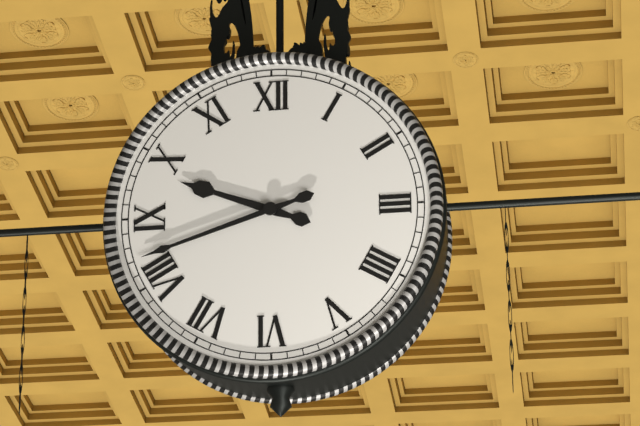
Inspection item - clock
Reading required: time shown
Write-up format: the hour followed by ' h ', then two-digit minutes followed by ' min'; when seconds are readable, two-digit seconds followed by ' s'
9 h 42 min
